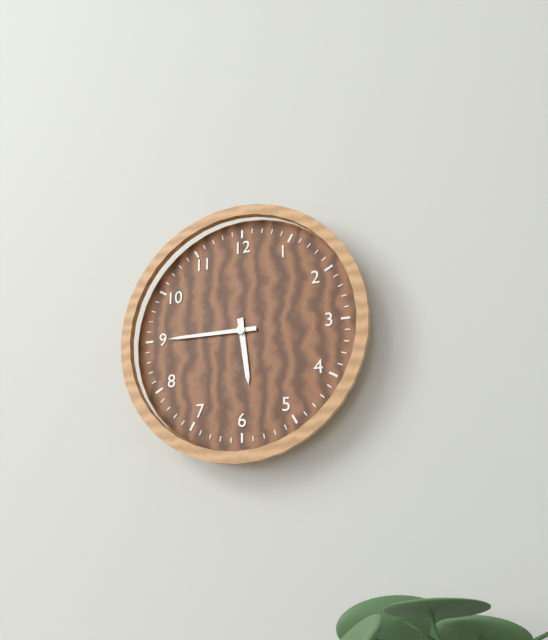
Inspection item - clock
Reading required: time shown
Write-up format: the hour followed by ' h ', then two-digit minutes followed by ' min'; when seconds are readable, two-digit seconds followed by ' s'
5 h 45 min
